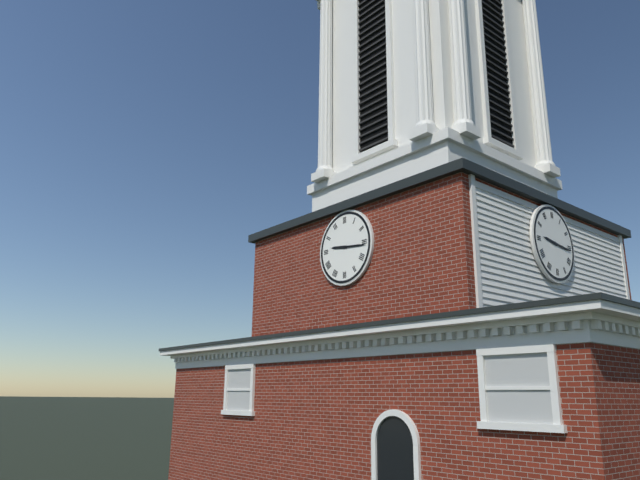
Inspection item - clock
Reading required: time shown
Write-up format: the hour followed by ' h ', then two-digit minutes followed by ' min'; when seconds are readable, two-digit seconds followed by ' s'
9 h 16 min
